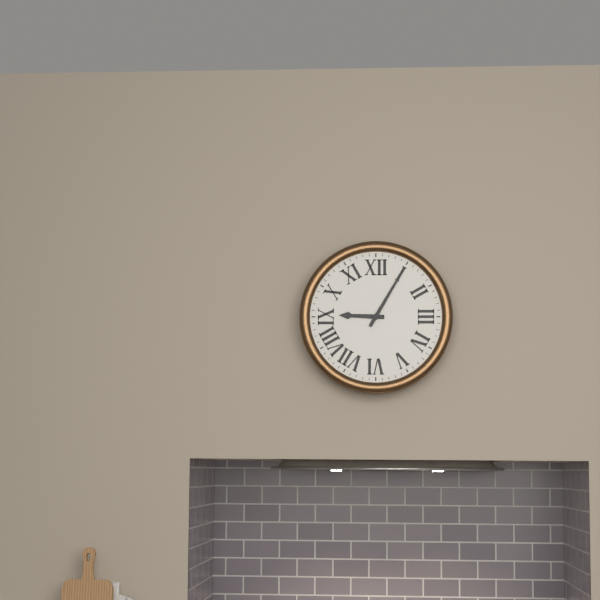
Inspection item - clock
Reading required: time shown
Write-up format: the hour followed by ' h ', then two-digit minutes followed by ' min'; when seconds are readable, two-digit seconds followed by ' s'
9 h 05 min
